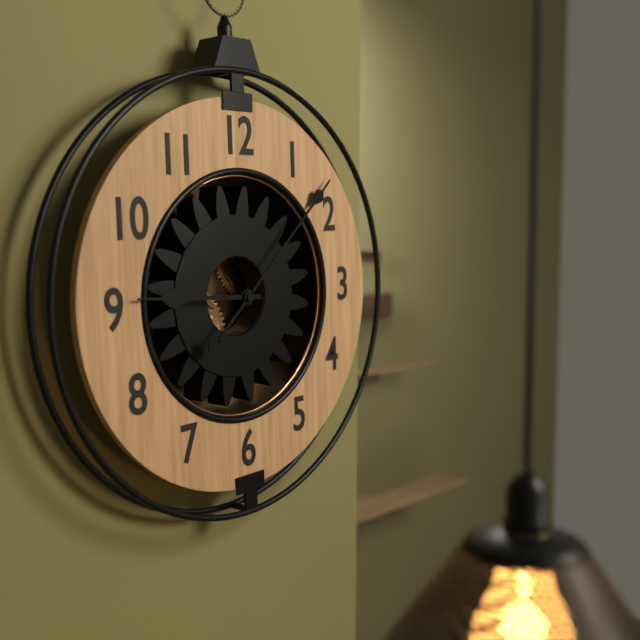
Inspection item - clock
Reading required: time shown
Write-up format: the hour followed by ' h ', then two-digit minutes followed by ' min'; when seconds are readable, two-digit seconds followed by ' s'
9 h 08 min
